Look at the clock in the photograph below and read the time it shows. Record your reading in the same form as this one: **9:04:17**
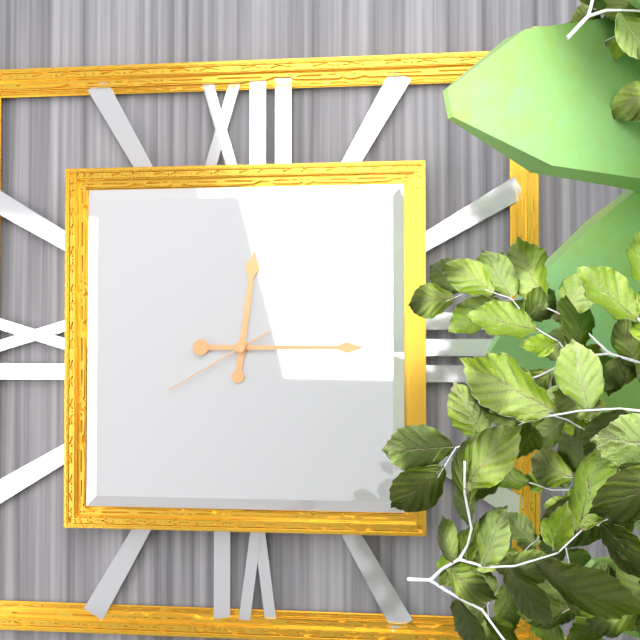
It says **12:15:40**
